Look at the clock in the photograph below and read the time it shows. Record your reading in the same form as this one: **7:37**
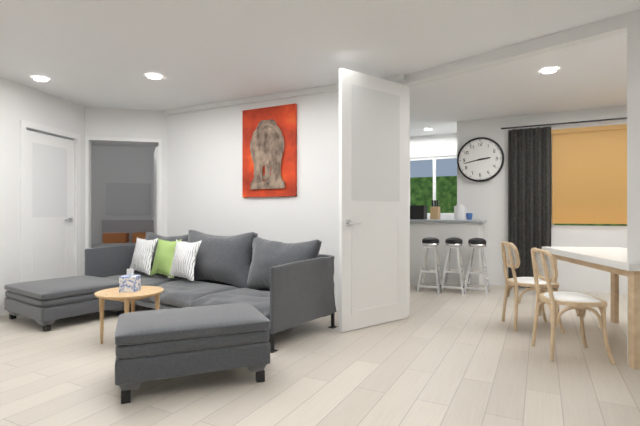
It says **2:43**
